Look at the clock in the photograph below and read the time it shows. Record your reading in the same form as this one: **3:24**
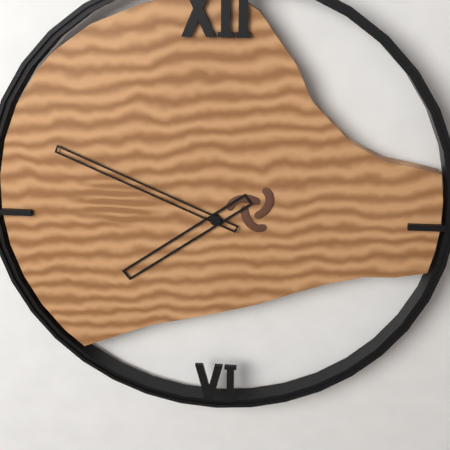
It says **7:49**
